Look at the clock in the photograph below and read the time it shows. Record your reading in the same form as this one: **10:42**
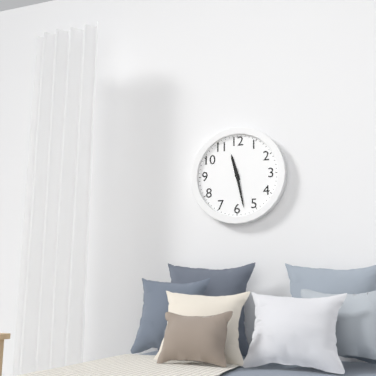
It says **11:28**
